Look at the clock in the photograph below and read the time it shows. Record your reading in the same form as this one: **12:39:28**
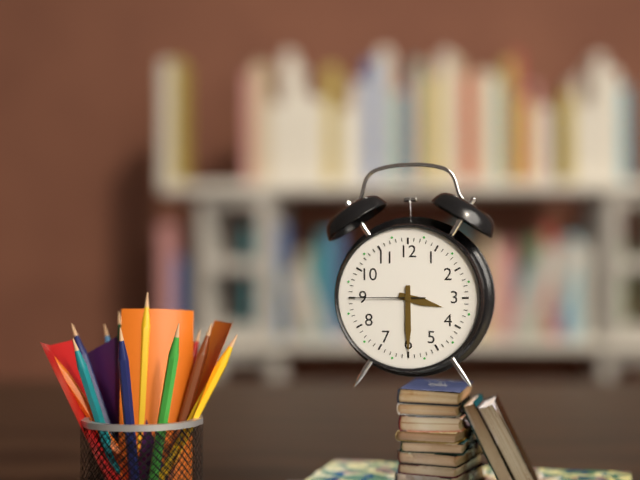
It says **3:30:45**
